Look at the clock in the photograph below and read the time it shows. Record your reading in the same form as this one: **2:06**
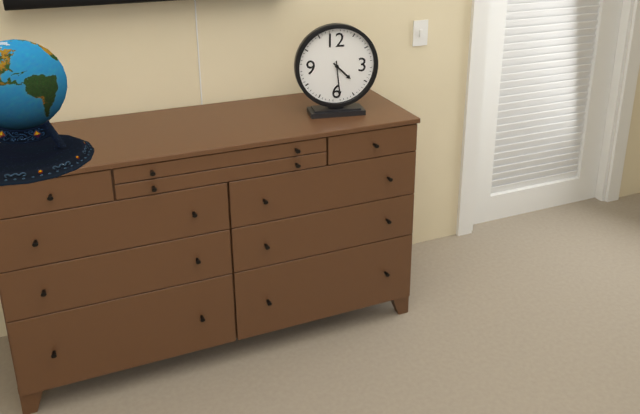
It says **4:29**
